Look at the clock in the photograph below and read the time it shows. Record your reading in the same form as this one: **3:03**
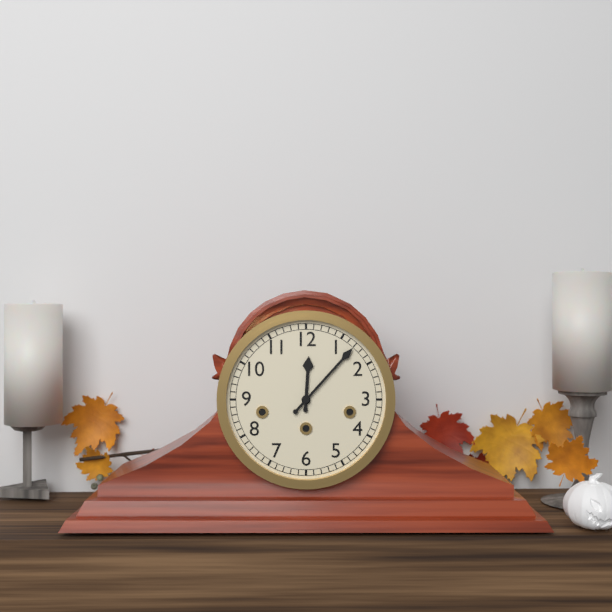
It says **12:07**
